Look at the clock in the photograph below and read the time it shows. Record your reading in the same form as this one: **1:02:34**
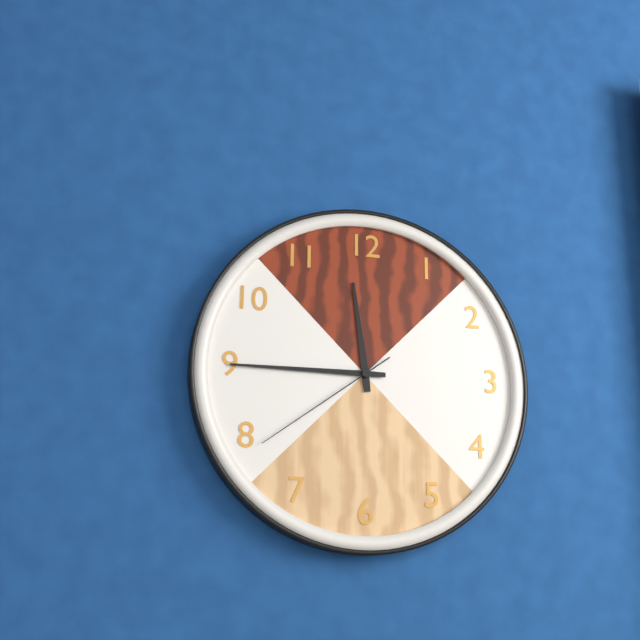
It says **11:45:39**
